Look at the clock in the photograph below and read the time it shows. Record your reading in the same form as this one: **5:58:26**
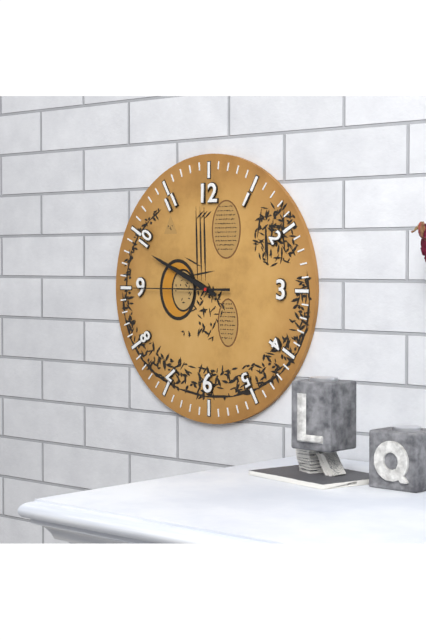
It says **9:49:45**
